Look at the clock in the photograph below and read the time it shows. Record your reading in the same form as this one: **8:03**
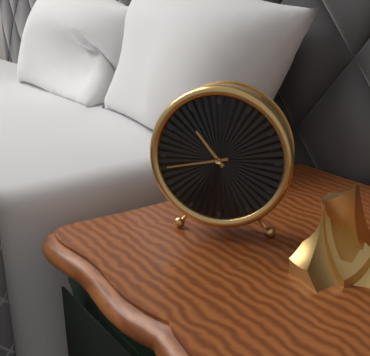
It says **10:43**
